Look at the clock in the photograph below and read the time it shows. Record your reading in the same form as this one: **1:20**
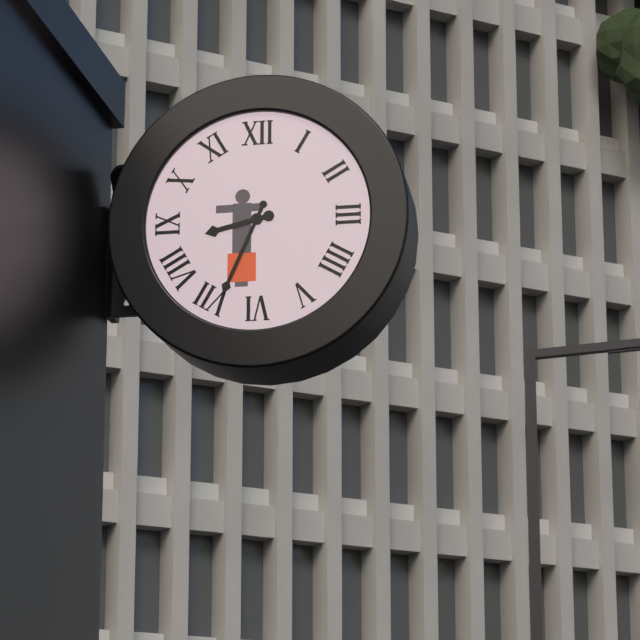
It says **8:34**
